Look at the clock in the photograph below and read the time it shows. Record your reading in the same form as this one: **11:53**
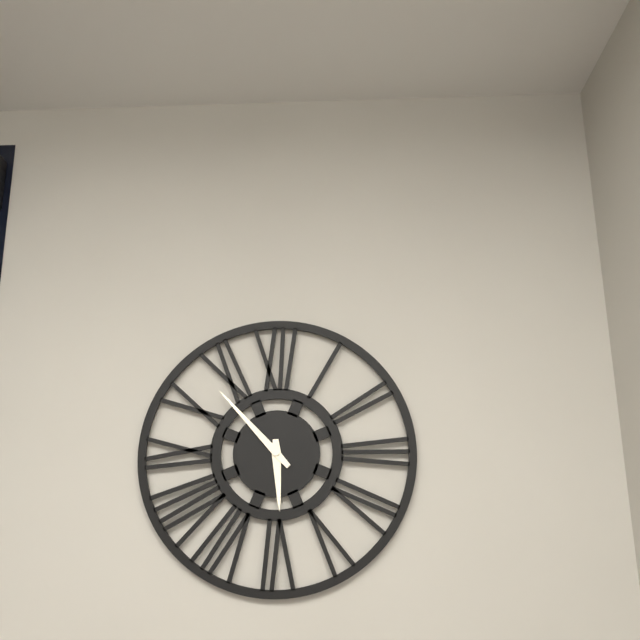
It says **5:53**
